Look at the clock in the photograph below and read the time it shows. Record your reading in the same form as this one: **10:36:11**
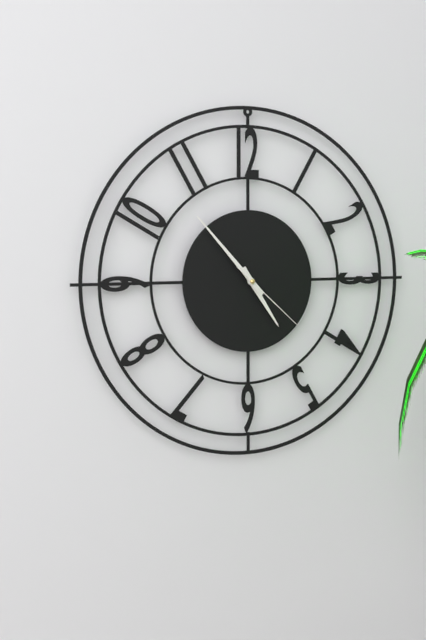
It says **4:53:22**
